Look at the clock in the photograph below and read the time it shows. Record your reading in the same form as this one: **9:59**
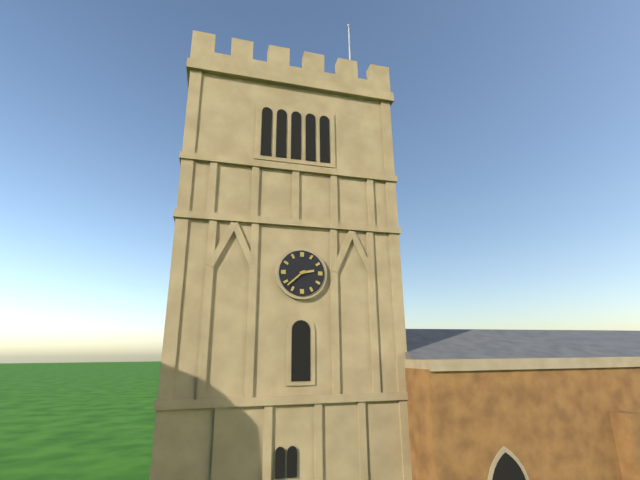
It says **2:38**
